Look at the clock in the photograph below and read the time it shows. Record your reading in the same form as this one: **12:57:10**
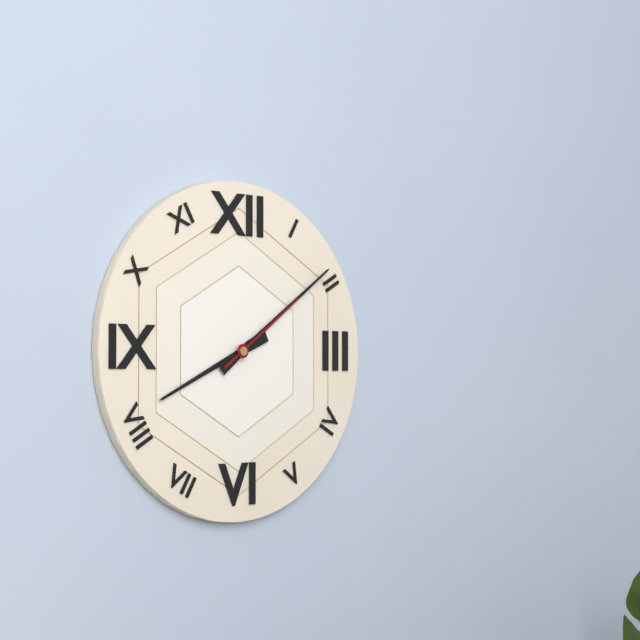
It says **8:09:09**
